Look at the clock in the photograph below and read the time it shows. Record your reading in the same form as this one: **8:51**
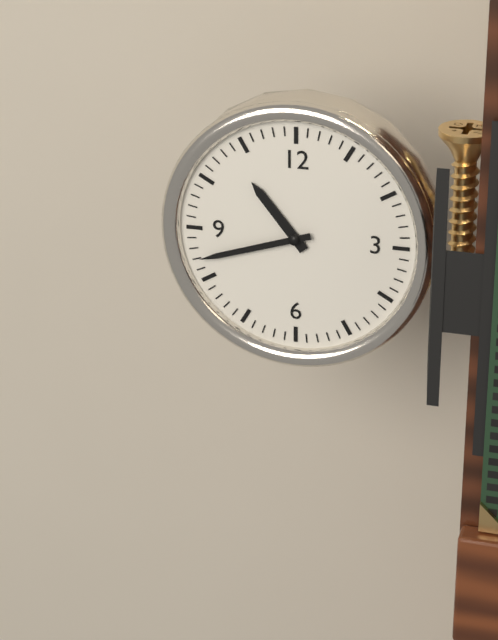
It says **10:42**
